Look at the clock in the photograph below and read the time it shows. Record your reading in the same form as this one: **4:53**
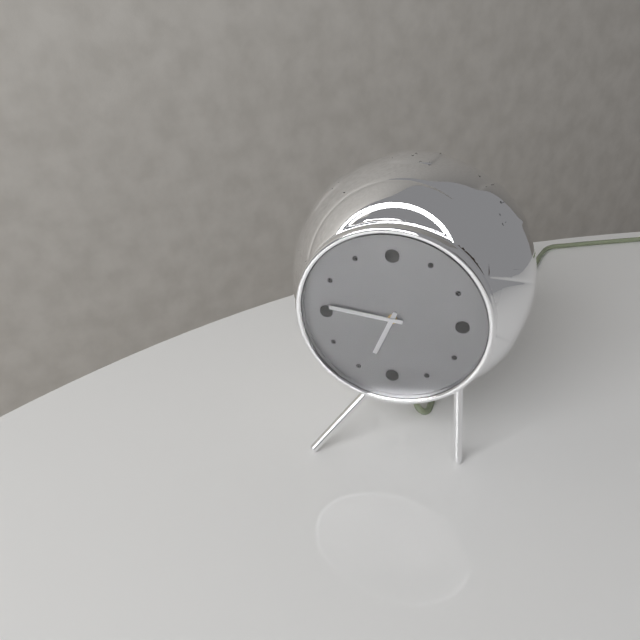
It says **6:46**
